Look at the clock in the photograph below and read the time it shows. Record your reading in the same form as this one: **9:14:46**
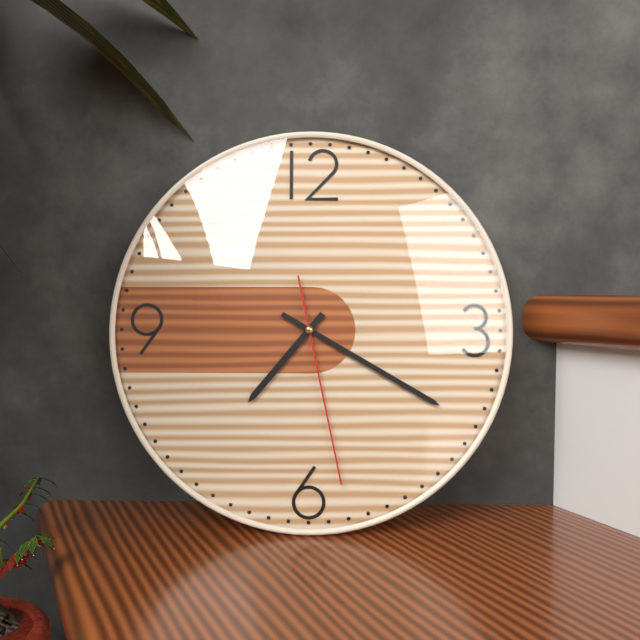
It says **7:20:28**
